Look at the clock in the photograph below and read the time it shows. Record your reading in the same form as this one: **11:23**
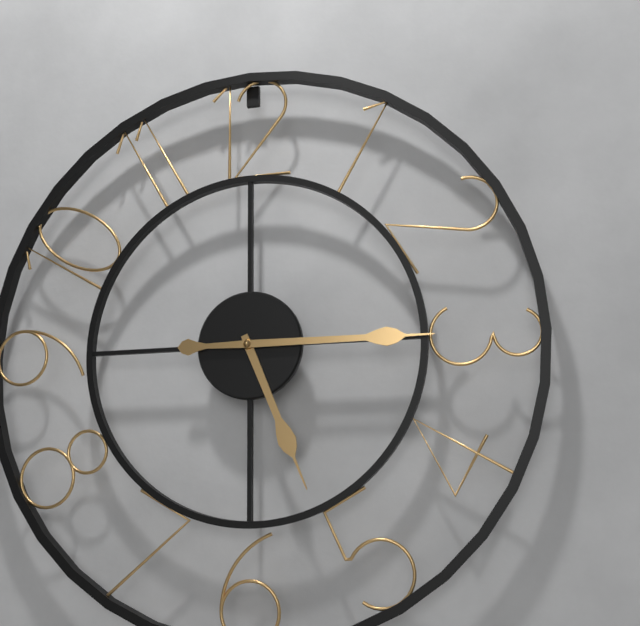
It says **5:15**
